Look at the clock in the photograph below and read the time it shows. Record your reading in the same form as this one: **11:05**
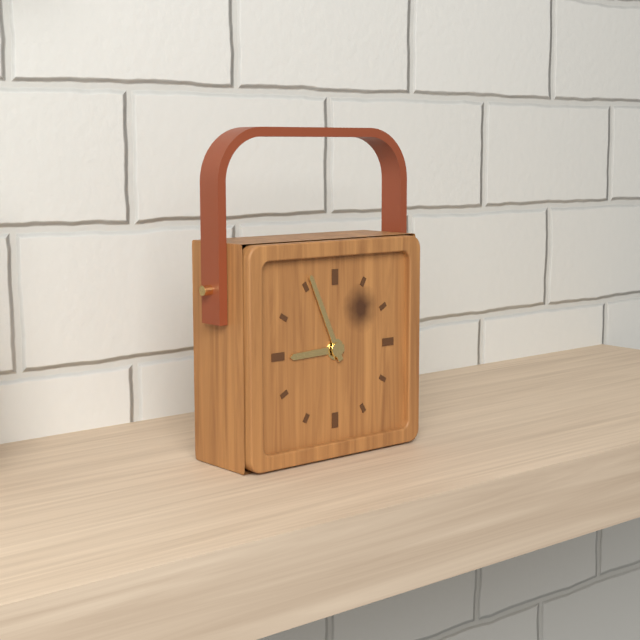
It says **8:56**
